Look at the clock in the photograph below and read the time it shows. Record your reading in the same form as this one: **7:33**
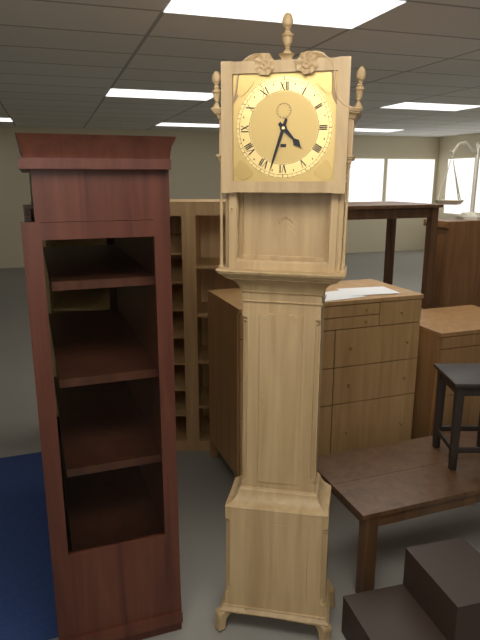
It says **4:33**
